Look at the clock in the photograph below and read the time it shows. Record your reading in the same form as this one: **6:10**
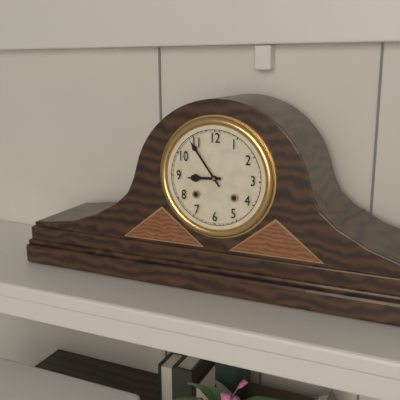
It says **8:54**
